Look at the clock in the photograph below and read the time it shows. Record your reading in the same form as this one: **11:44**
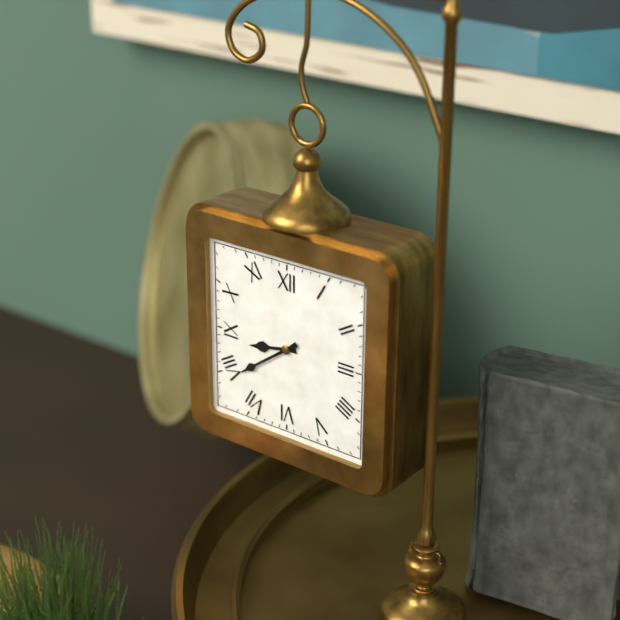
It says **8:39**
